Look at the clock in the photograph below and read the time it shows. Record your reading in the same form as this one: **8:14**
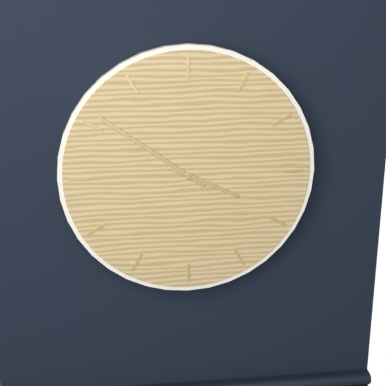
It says **3:51**
